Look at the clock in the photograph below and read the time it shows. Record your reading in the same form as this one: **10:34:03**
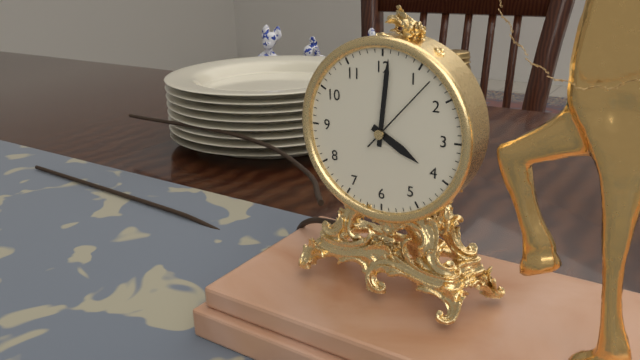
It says **4:01:07**
